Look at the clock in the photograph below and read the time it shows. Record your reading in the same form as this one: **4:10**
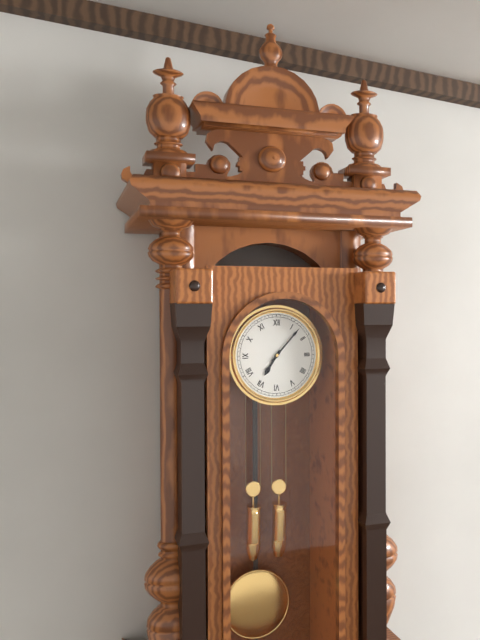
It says **7:07**
